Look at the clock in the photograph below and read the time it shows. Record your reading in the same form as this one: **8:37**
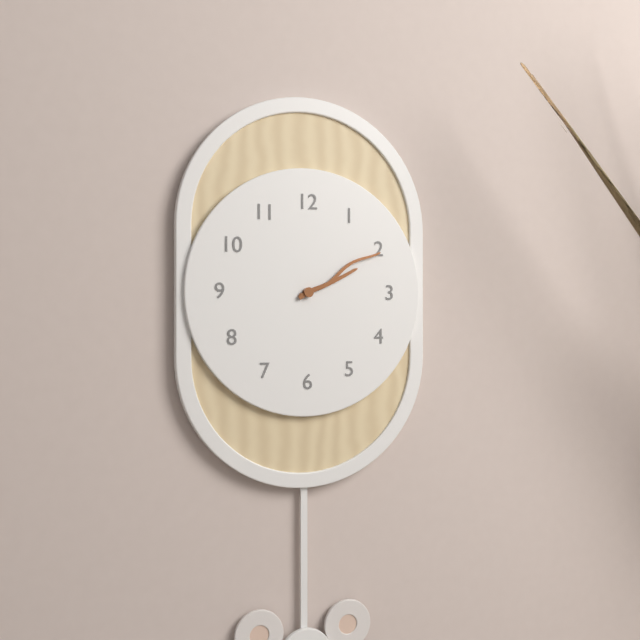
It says **2:10**
